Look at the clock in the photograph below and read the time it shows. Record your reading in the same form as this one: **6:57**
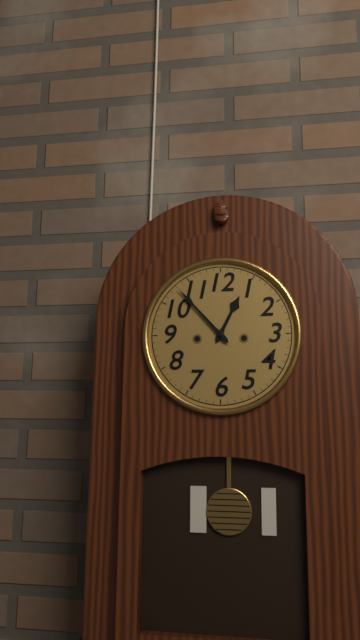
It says **12:53**
